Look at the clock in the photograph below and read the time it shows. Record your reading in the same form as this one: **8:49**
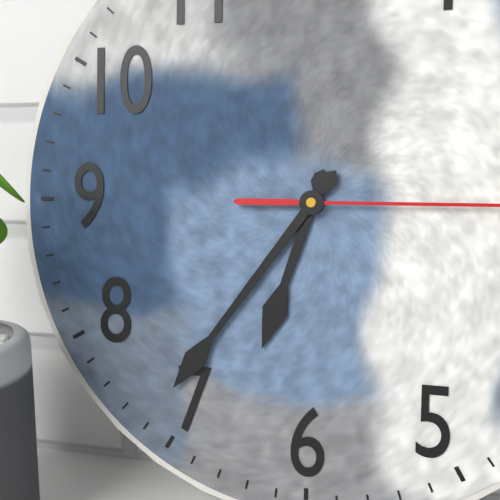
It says **6:36**
